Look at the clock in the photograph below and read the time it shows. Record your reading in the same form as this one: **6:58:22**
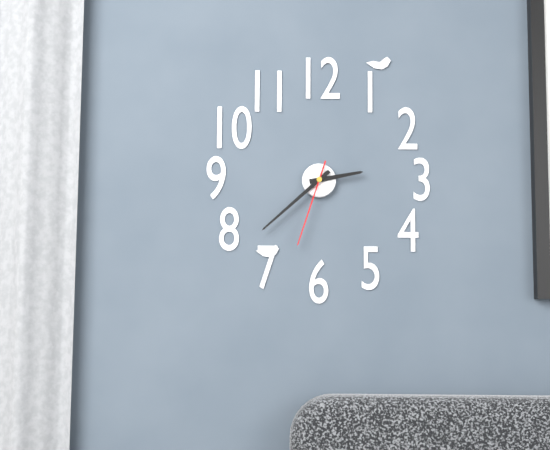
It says **2:38:33**
